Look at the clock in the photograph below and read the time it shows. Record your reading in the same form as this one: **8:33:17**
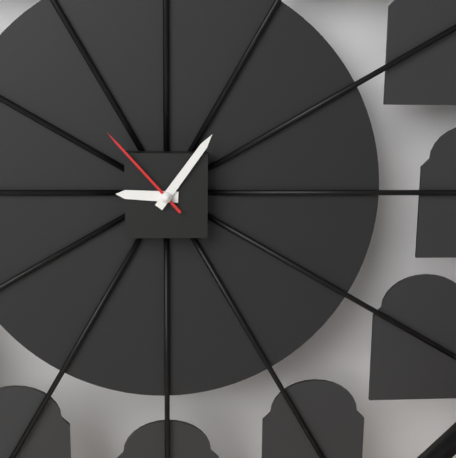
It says **9:06:53**
